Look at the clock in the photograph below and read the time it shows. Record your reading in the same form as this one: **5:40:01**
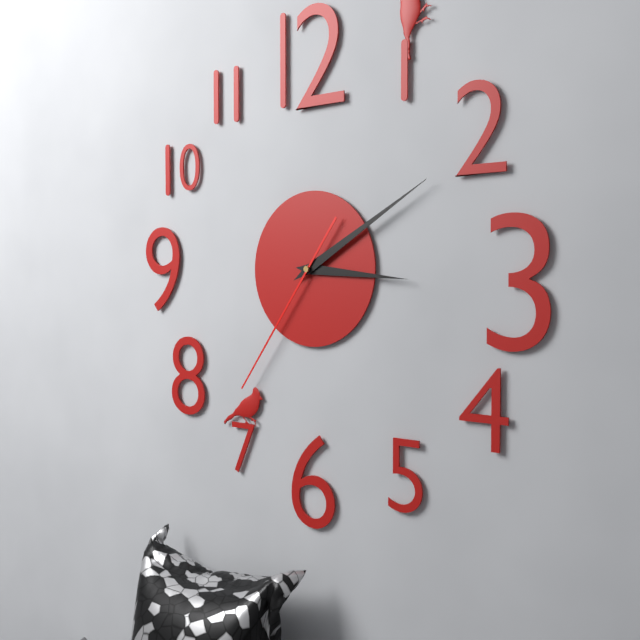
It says **3:10:36**
